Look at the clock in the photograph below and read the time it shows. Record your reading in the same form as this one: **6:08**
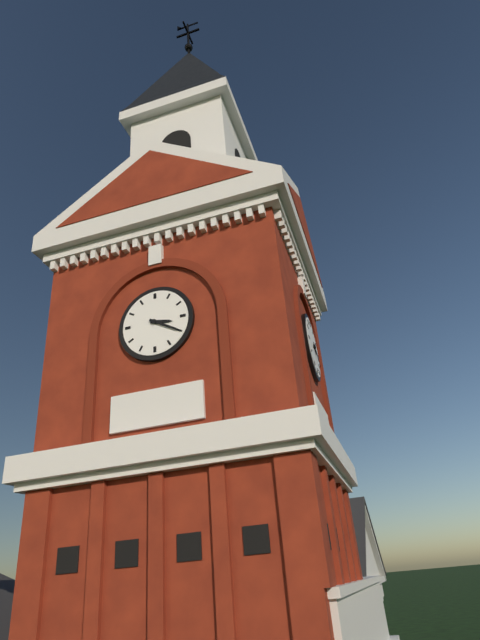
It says **3:20**
